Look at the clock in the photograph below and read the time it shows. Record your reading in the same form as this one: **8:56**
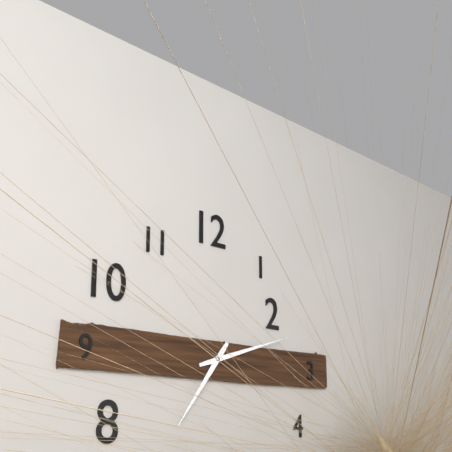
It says **7:12**
